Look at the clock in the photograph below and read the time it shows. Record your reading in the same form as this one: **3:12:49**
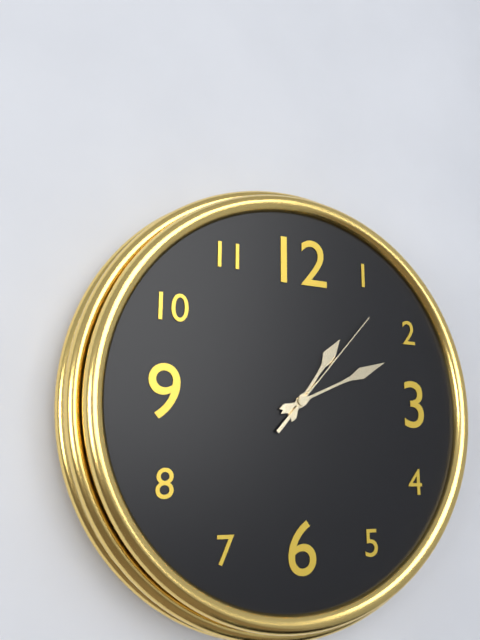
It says **1:11:07**
